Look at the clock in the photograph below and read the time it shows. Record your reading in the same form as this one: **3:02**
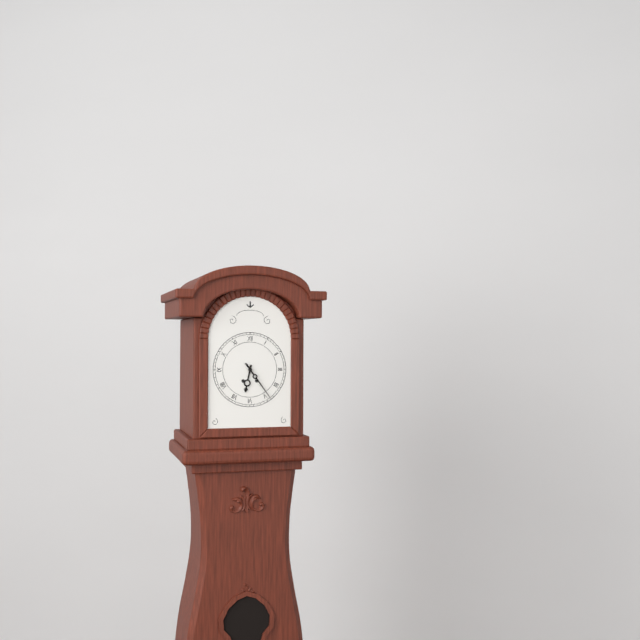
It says **6:24**
